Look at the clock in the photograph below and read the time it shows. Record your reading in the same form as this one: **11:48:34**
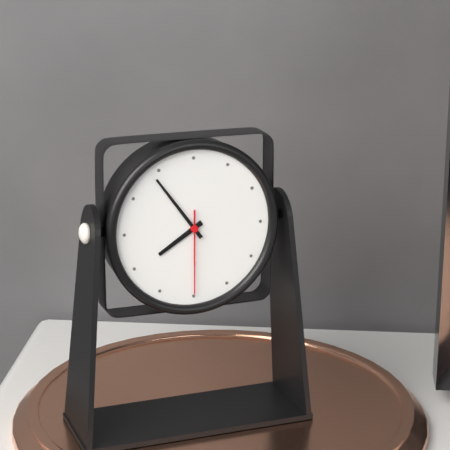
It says **7:54:30**
